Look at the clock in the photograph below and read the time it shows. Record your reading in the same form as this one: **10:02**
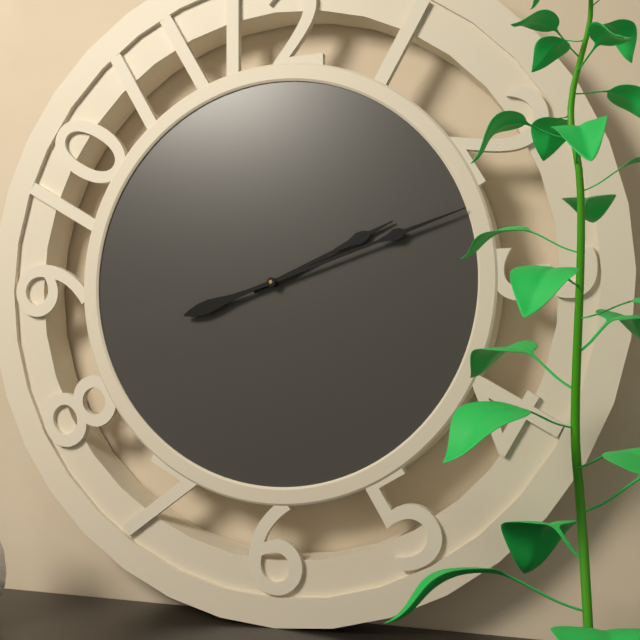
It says **2:12**
